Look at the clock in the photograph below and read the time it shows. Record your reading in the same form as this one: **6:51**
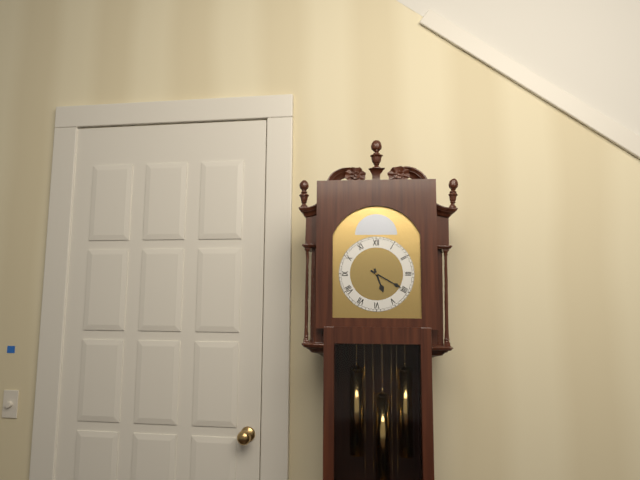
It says **5:20**
